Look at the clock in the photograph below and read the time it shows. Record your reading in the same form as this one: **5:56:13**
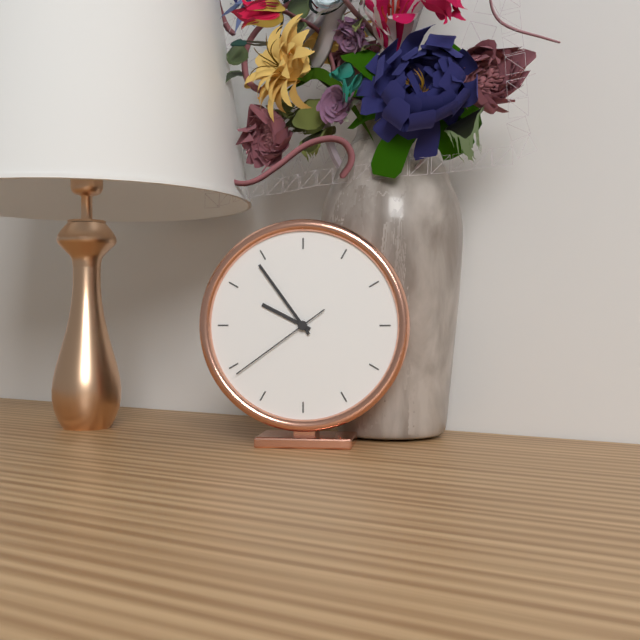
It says **9:54:39**
